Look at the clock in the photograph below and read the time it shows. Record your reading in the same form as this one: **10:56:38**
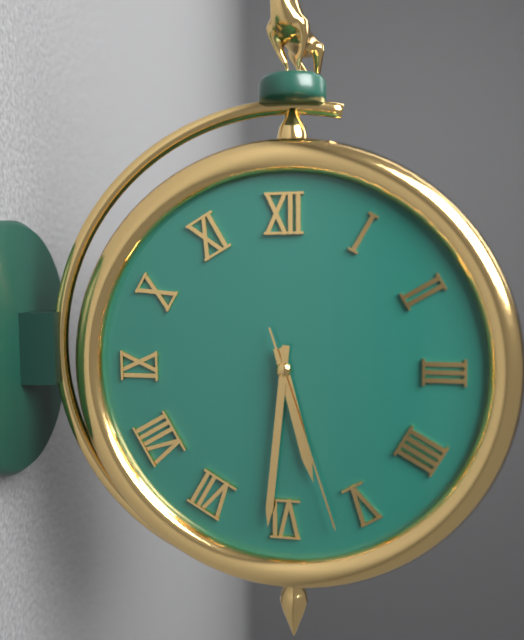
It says **5:31:27**
